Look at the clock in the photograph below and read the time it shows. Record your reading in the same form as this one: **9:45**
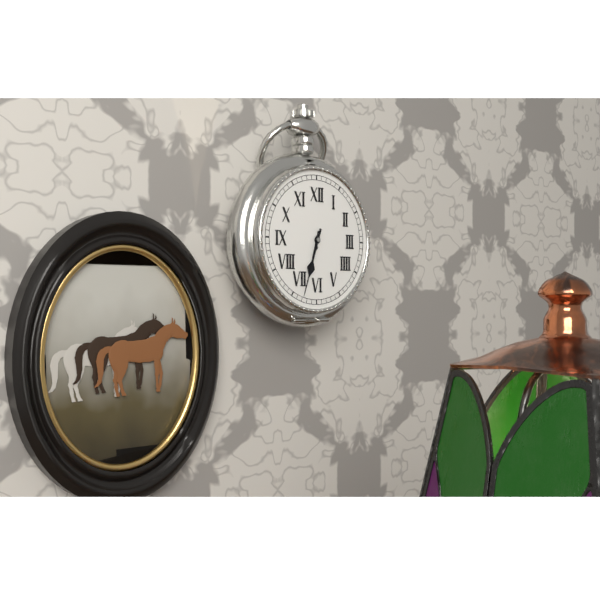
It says **6:33**
